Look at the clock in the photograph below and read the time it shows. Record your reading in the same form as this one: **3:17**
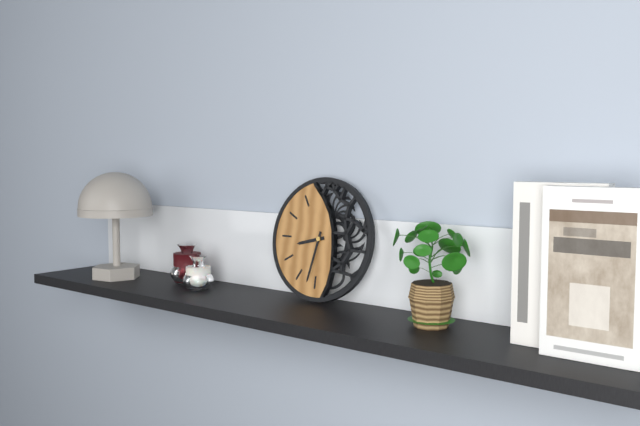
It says **8:32**
